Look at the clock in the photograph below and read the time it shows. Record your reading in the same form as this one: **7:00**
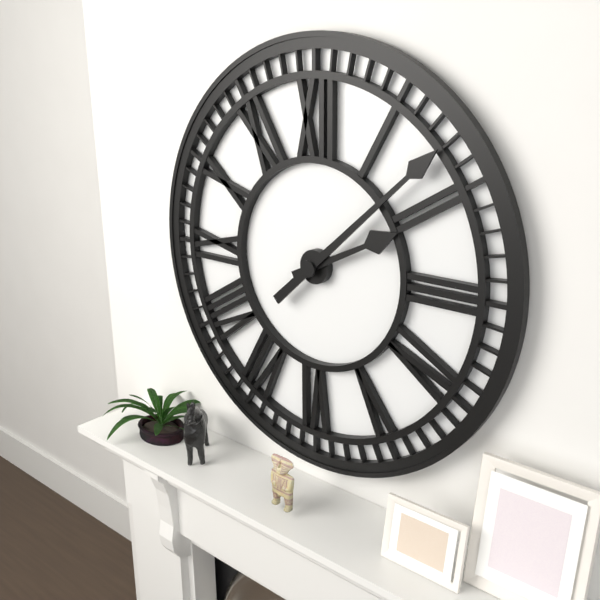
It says **2:08**
